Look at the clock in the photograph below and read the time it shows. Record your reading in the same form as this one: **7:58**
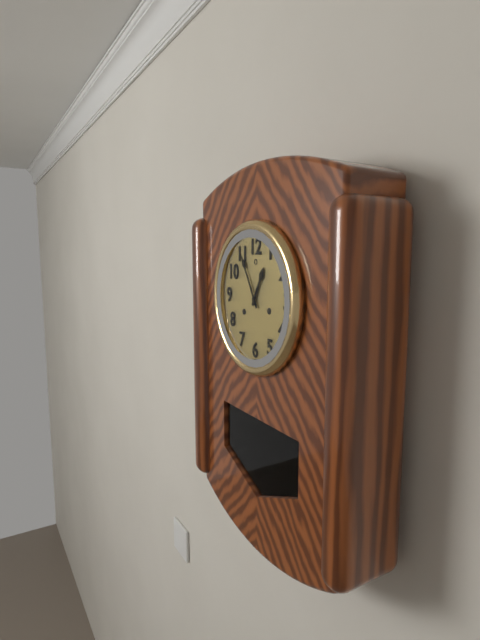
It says **12:55**
